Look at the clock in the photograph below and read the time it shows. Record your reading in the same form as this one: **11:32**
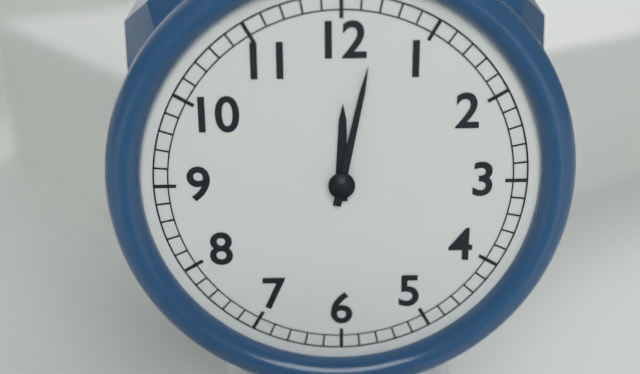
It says **12:02**
